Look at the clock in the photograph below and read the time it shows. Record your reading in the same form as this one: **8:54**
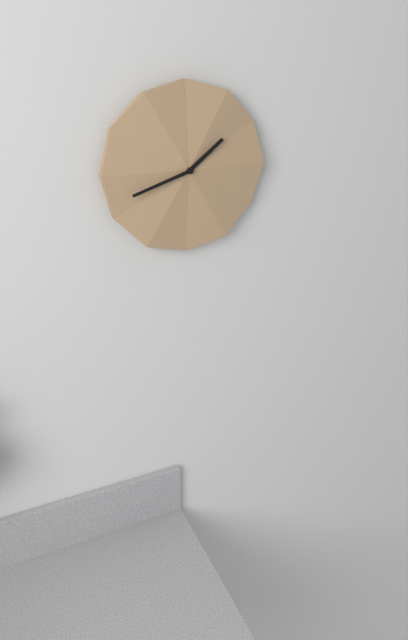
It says **1:42**
